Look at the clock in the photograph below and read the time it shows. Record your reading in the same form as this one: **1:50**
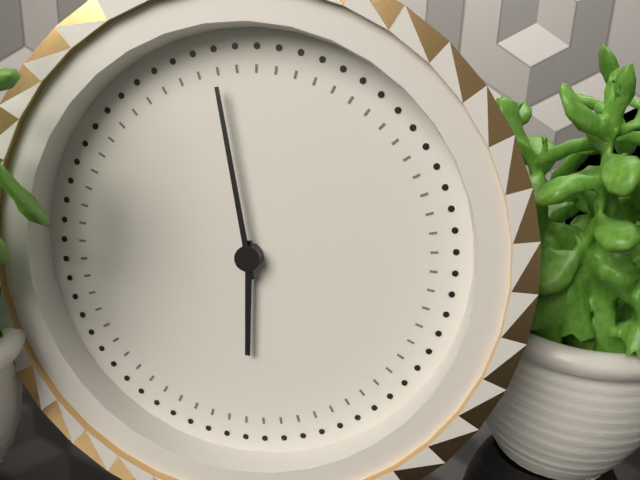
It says **5:58**
